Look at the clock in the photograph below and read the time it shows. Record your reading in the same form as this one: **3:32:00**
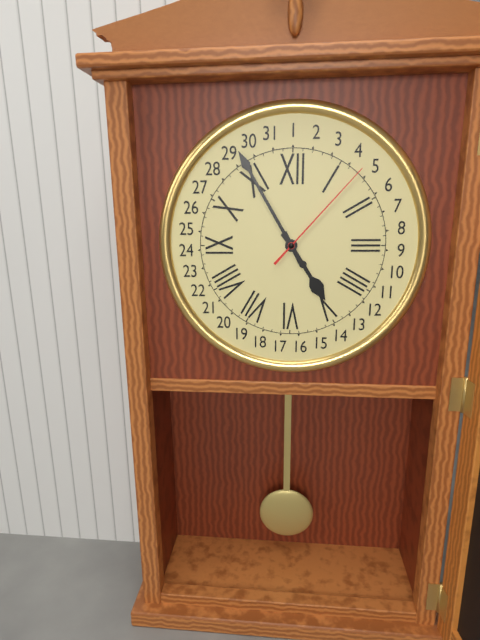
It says **4:55:07**
